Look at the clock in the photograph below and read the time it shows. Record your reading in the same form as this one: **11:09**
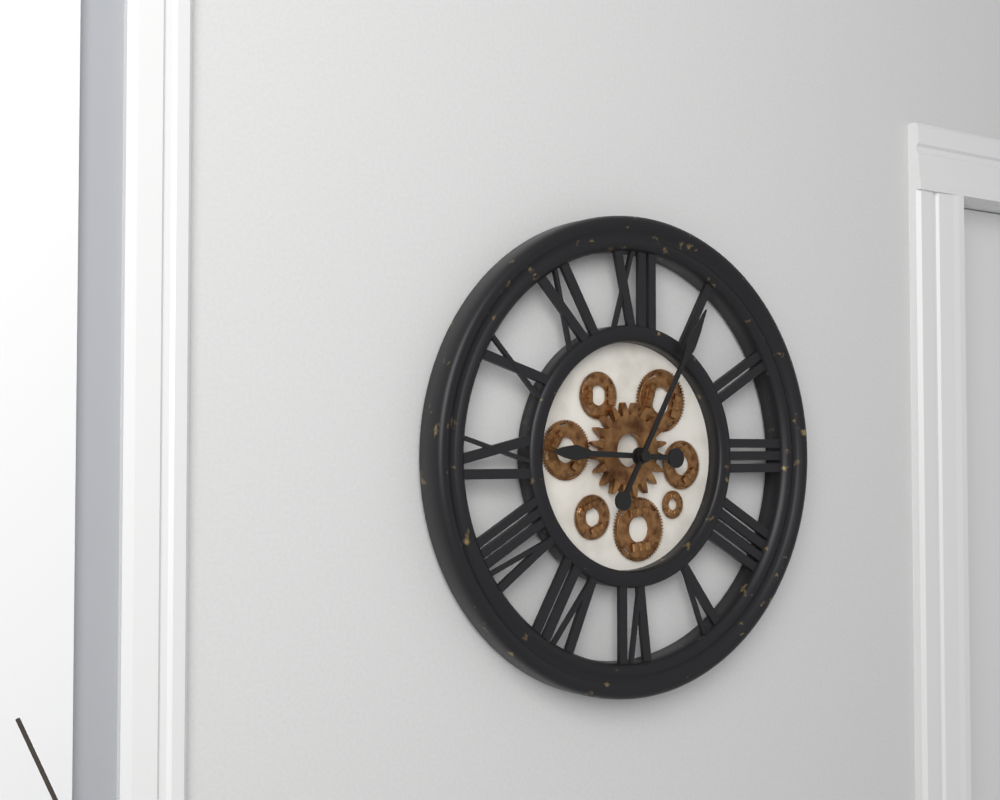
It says **9:05**
